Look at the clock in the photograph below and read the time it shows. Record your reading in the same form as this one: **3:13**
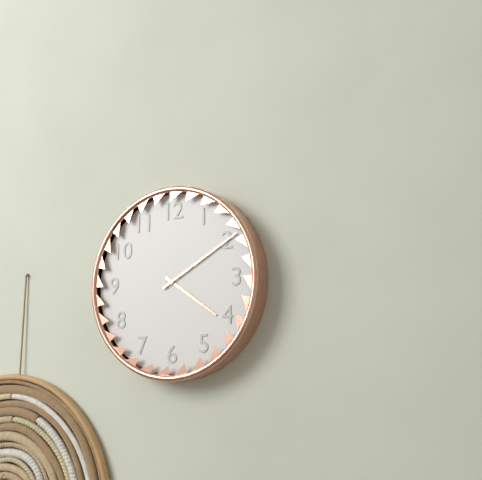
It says **4:10**
